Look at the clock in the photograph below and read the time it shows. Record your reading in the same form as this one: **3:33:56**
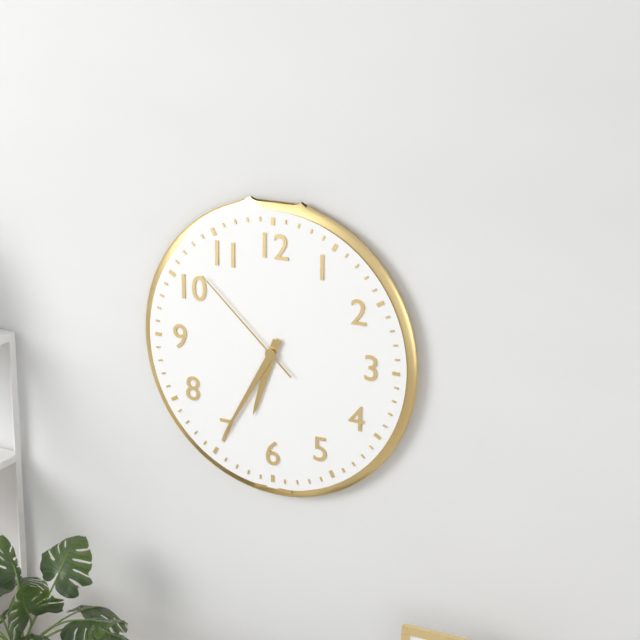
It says **6:35:52**
